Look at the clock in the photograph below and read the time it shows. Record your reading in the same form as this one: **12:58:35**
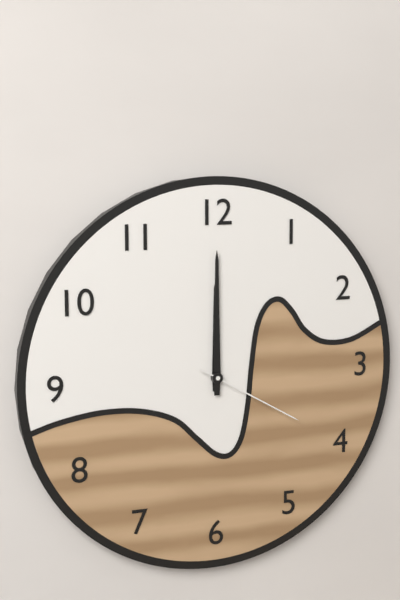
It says **12:00:20**
